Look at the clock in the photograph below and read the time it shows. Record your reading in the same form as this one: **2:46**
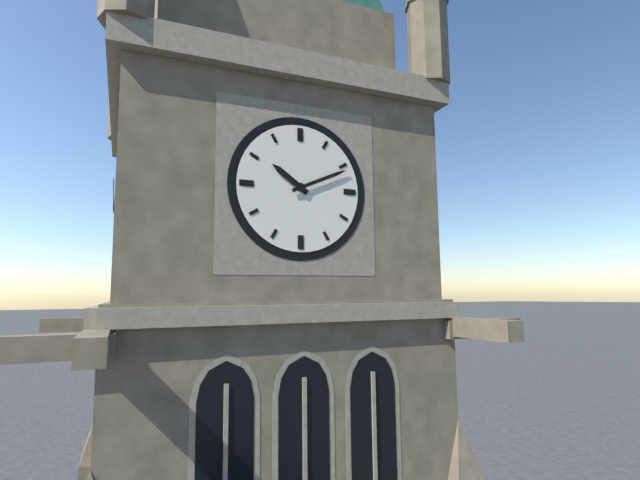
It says **10:11**
